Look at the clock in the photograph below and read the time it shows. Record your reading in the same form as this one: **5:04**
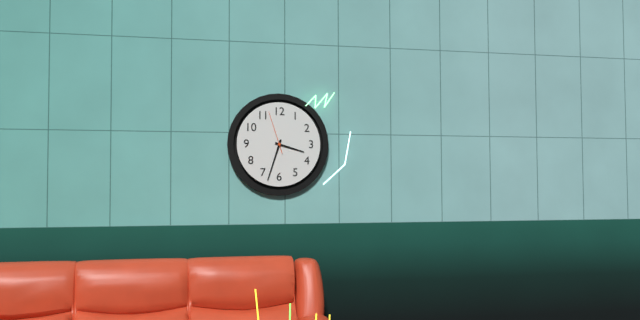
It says **3:33**
